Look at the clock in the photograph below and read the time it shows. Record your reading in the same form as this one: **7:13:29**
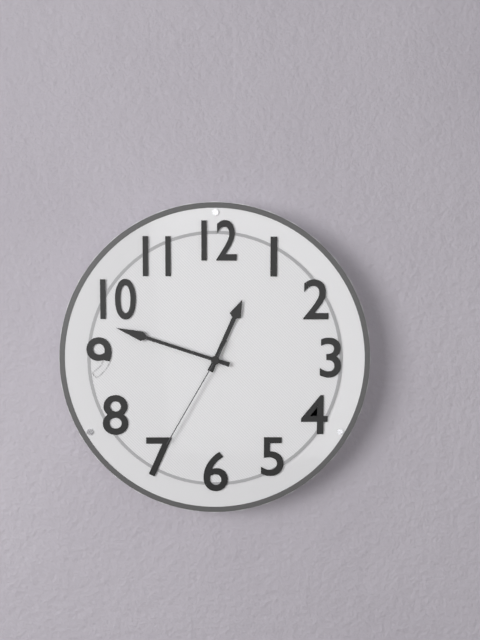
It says **12:48:35**
